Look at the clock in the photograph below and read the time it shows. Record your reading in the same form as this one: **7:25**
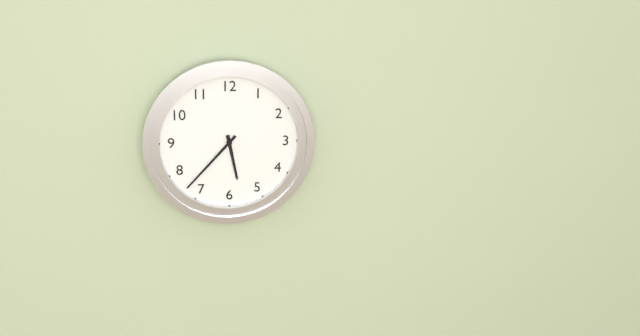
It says **5:37**
